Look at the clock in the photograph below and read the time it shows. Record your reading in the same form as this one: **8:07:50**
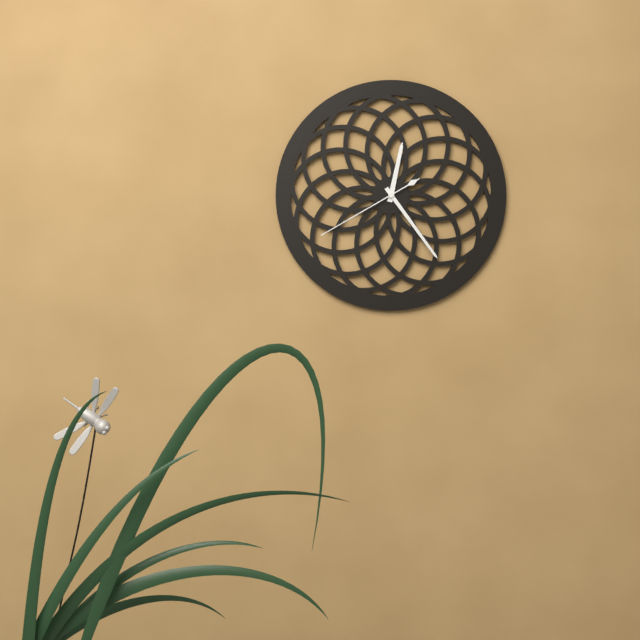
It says **12:24:40**
